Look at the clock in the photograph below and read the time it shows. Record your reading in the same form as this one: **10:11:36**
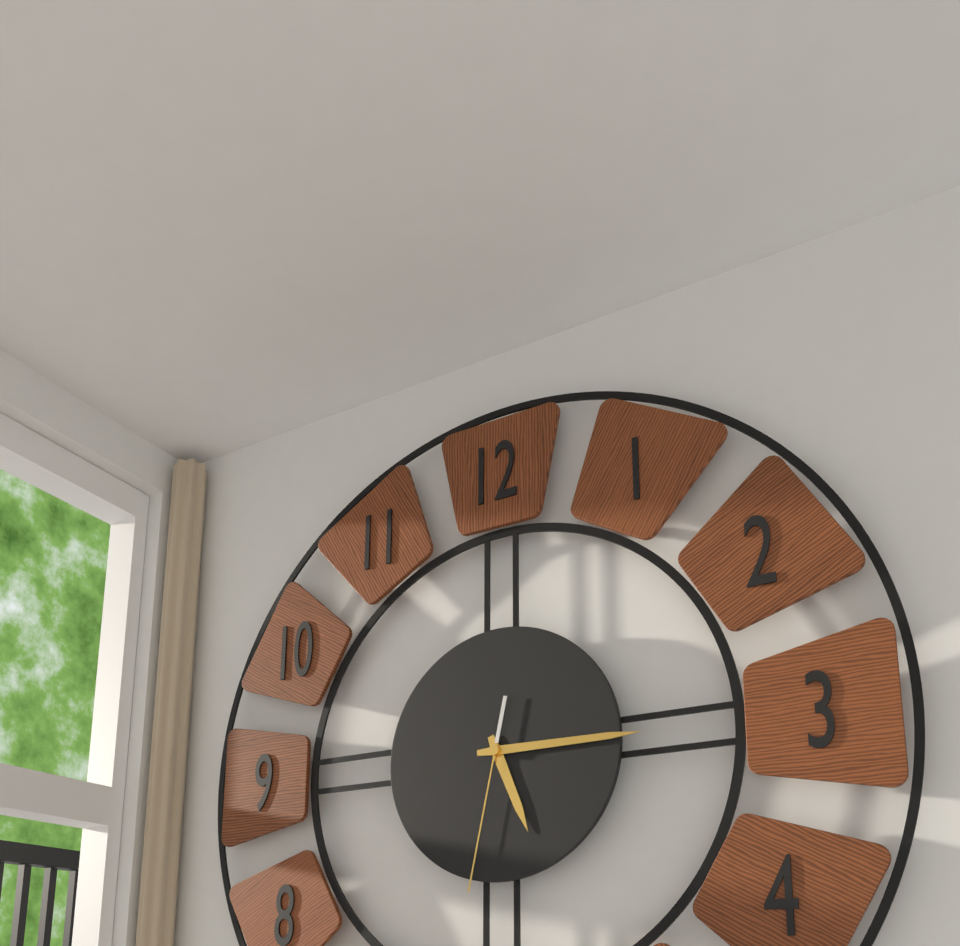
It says **5:15:32**
